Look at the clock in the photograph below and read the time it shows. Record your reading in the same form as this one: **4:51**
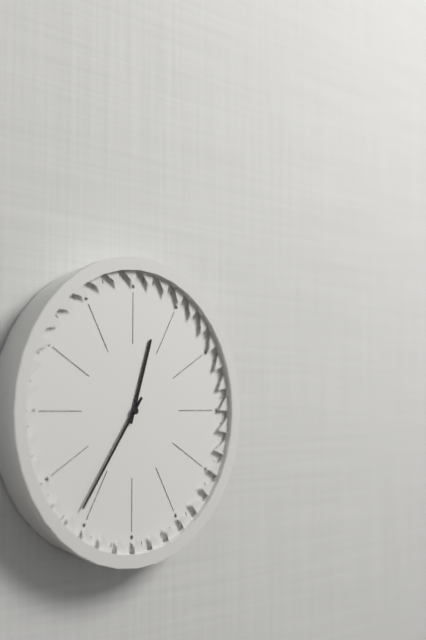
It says **12:36**
